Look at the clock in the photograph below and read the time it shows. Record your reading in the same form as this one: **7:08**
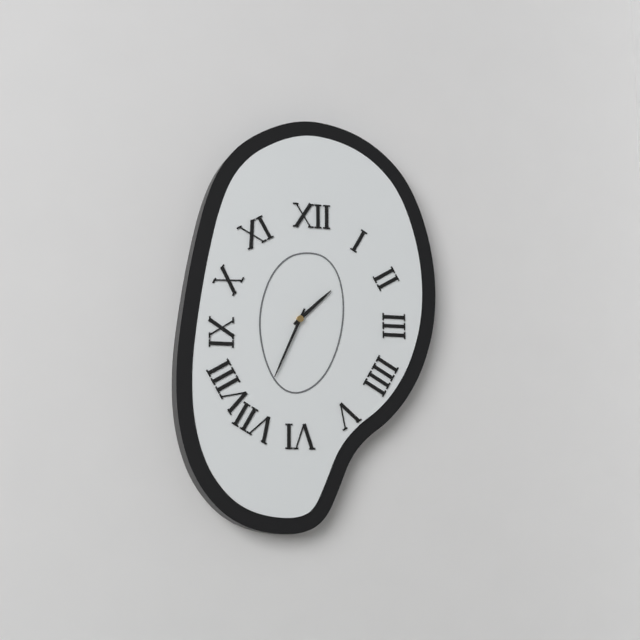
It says **1:34**
